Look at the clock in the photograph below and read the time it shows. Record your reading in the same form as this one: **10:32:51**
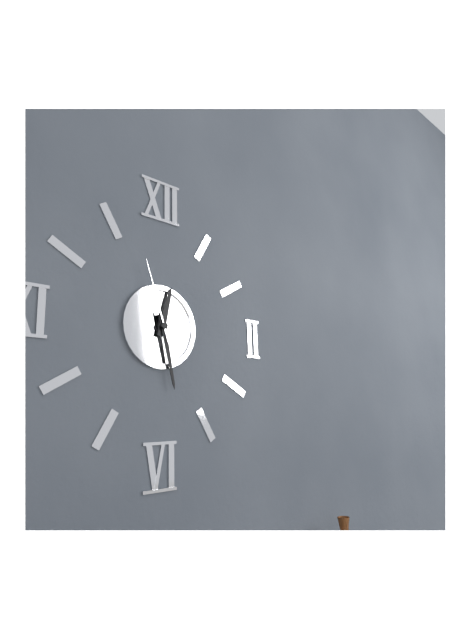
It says **12:28:57**
